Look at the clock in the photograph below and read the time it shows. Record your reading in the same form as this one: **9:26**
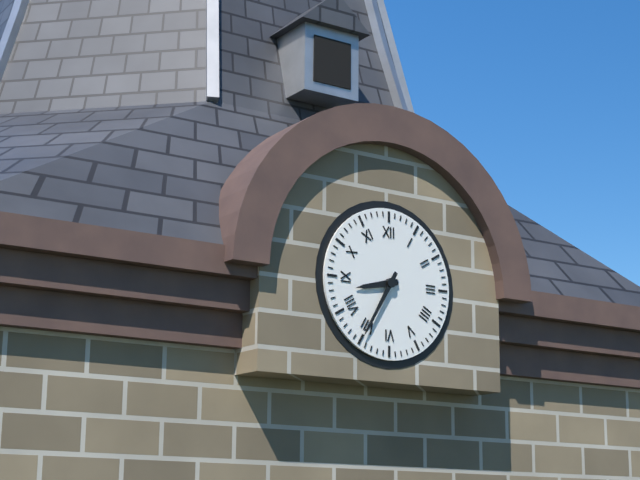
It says **8:35**
